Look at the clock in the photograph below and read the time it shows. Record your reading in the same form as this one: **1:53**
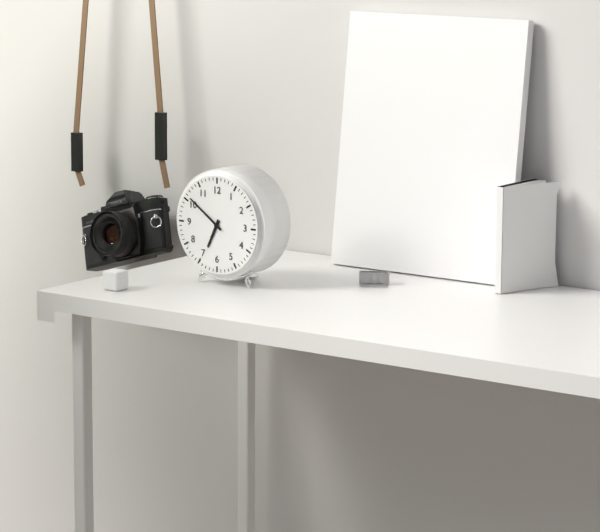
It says **6:51**
